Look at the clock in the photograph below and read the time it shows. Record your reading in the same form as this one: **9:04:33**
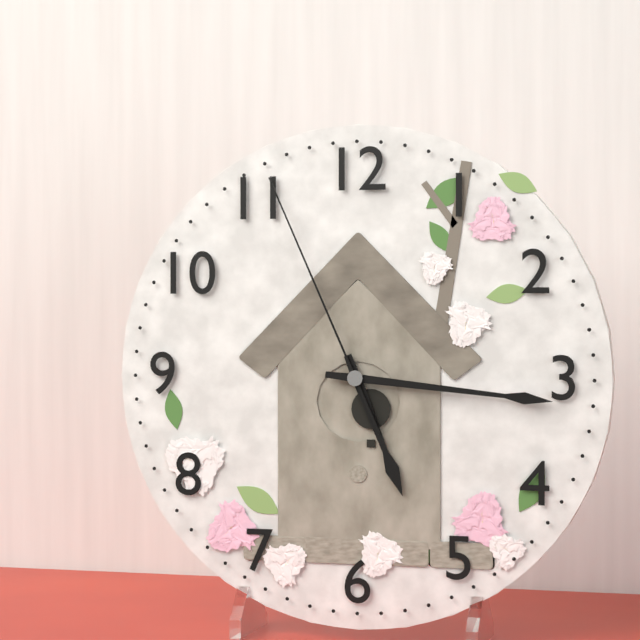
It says **5:16:56**
